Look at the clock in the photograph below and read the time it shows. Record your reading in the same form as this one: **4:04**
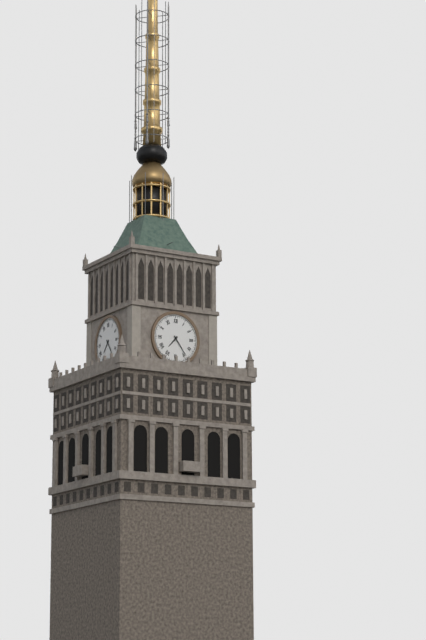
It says **7:24**
